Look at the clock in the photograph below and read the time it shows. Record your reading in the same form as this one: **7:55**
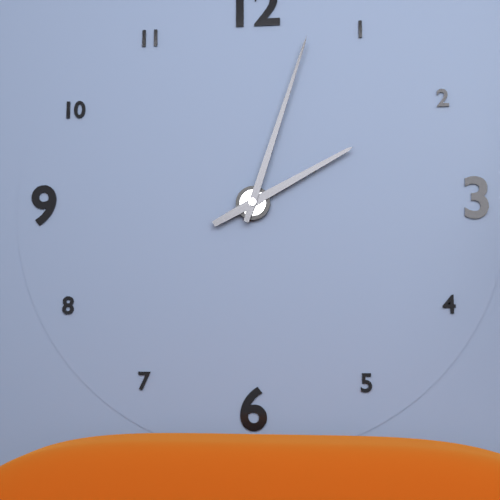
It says **2:03**
